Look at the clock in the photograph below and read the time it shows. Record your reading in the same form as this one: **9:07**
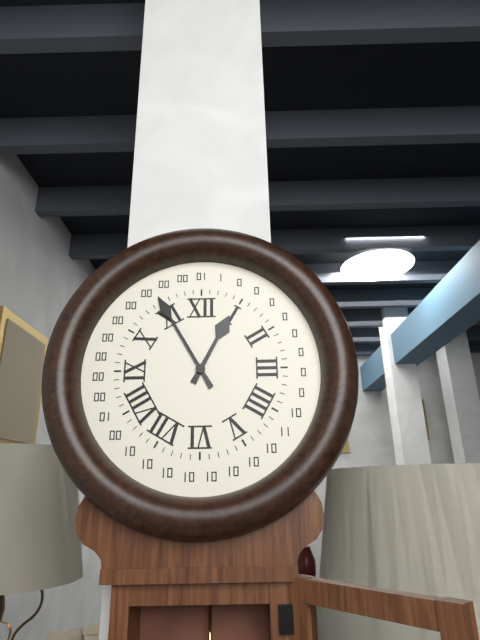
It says **12:55**
